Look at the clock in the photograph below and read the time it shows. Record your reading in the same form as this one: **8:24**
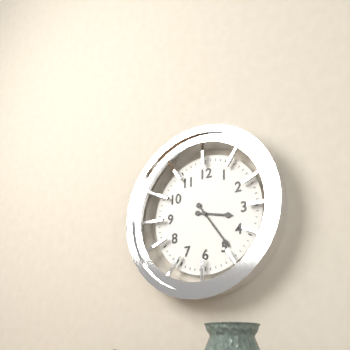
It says **3:24**
